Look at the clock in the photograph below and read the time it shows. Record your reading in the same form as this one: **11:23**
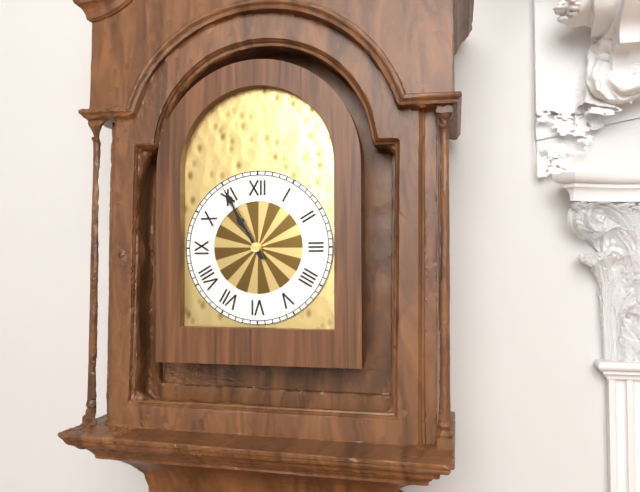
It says **10:55**
